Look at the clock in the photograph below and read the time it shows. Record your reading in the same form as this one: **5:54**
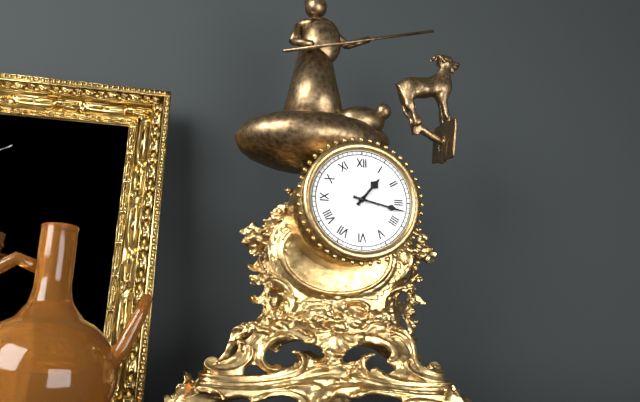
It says **1:17**
